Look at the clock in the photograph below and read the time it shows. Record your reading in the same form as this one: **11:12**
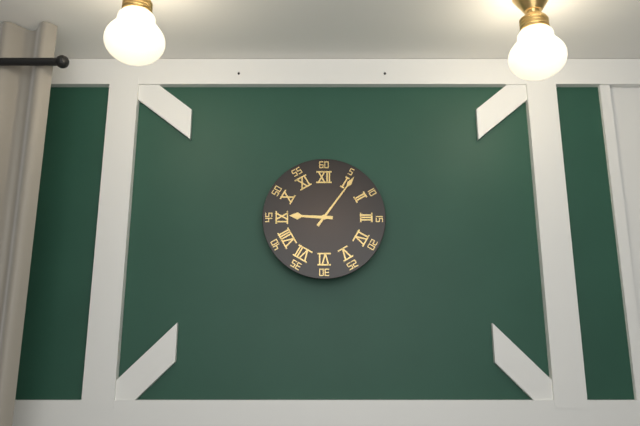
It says **9:06**
